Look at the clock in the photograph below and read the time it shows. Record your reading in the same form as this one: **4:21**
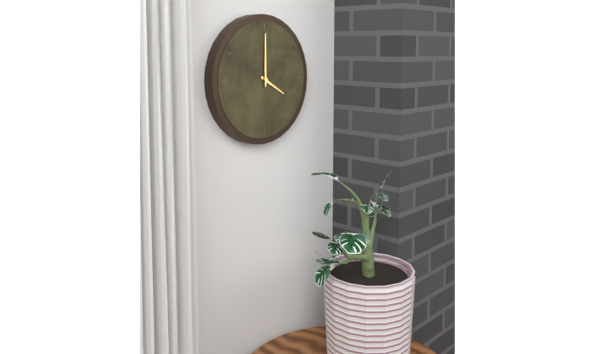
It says **4:00**
